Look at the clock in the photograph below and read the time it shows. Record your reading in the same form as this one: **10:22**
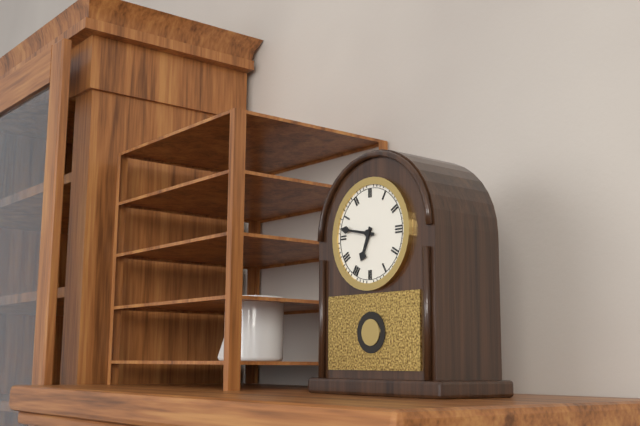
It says **6:47**
